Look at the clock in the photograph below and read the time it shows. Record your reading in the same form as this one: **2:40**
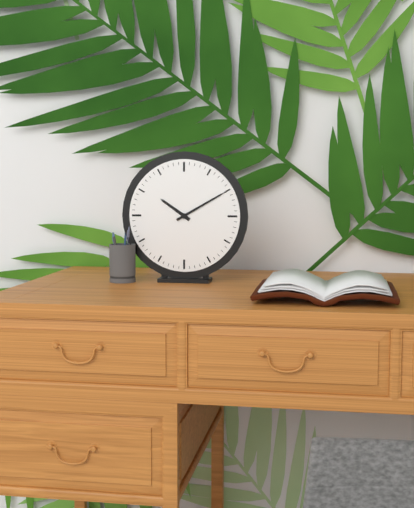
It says **10:10**
